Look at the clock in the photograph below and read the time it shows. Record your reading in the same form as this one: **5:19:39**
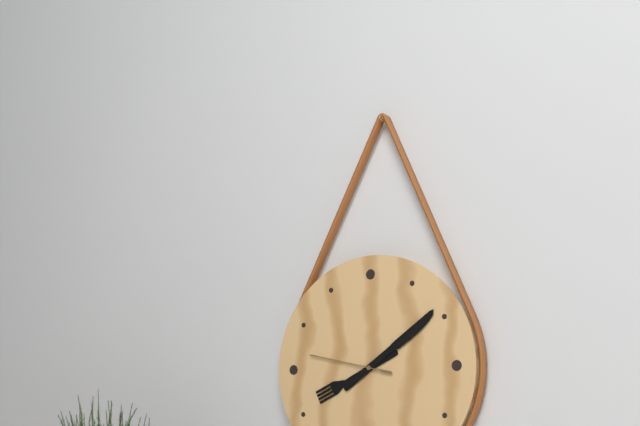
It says **8:09:47**
